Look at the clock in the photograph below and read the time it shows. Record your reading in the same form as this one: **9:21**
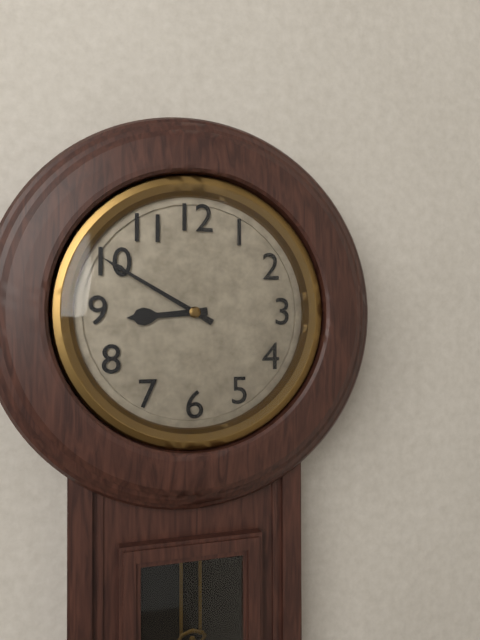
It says **8:50**
